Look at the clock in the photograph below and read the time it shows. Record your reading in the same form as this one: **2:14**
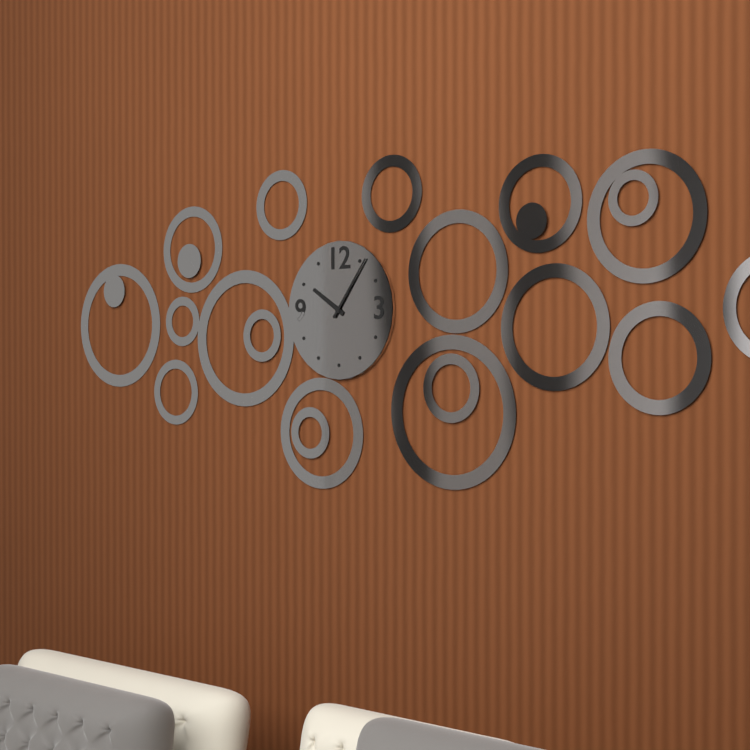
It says **10:06**
